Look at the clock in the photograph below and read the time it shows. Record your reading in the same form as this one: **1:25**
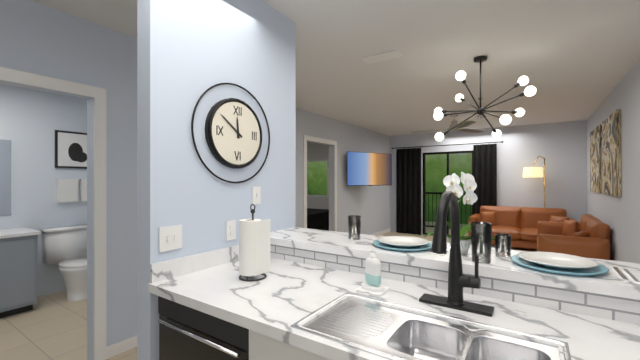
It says **11:51**
